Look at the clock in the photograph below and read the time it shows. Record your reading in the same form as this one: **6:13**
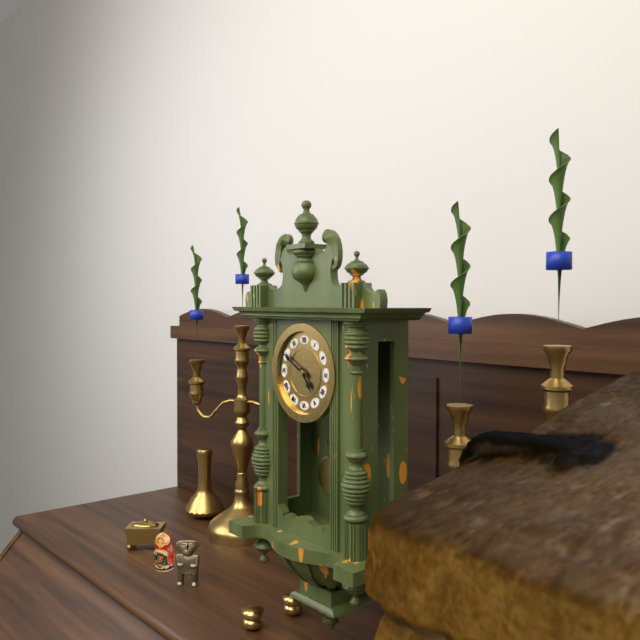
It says **4:50**
